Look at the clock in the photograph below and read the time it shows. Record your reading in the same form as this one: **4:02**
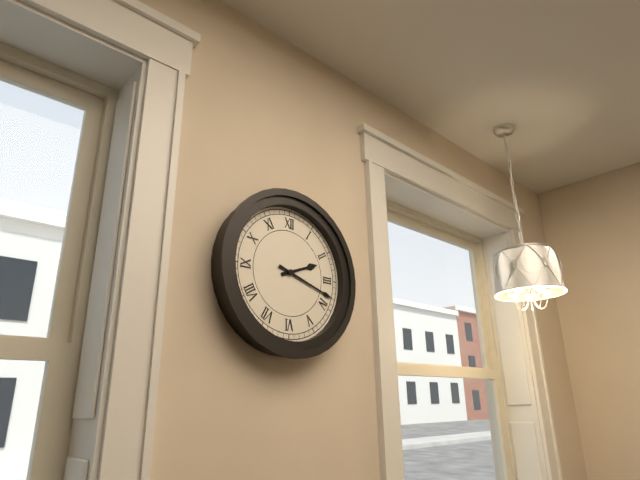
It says **2:18**
